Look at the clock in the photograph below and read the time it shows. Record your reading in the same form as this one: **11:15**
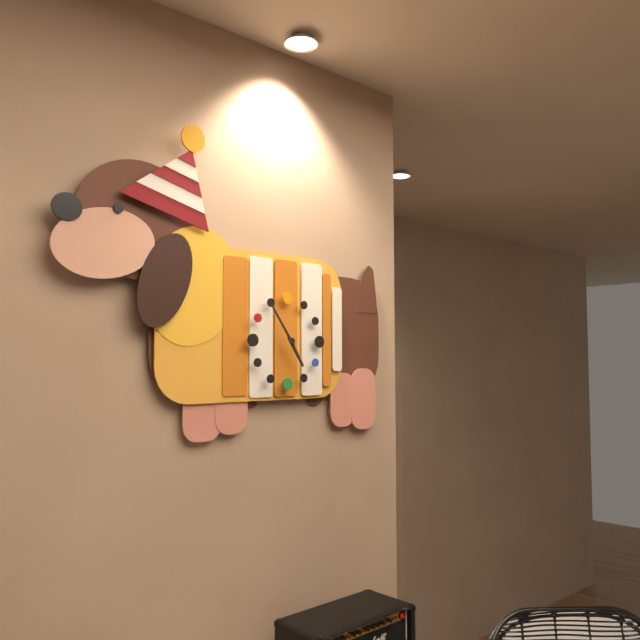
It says **4:54**
